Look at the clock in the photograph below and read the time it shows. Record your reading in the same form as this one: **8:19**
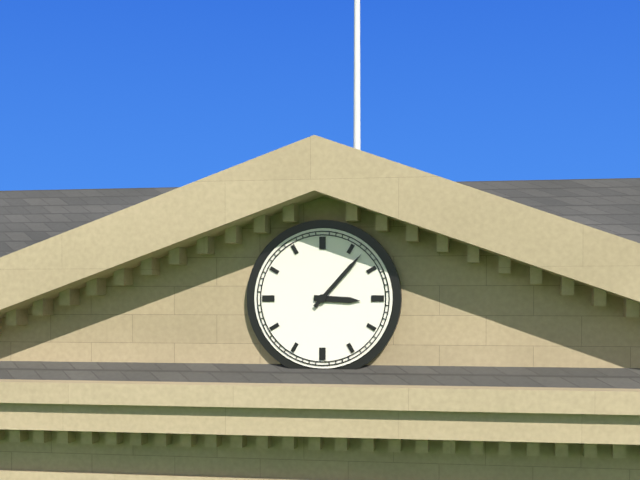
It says **3:07**
